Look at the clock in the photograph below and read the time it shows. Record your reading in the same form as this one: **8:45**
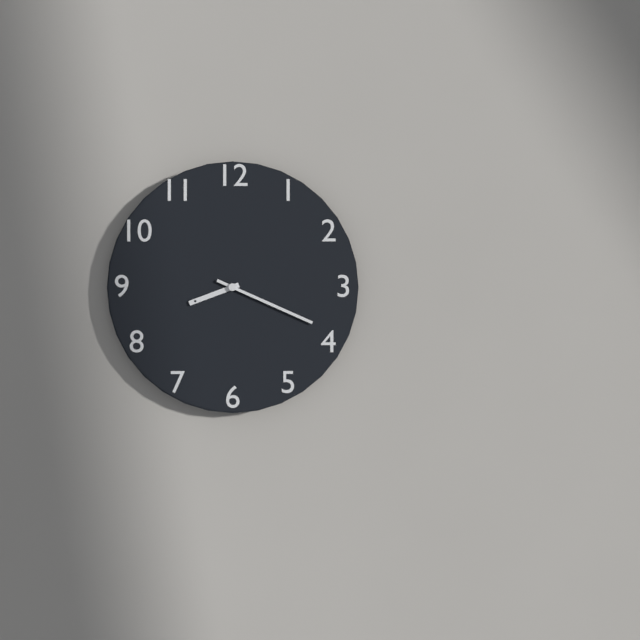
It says **8:19**
